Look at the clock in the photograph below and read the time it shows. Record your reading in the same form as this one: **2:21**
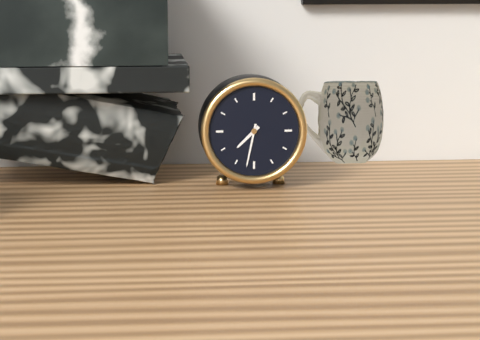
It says **7:32**
